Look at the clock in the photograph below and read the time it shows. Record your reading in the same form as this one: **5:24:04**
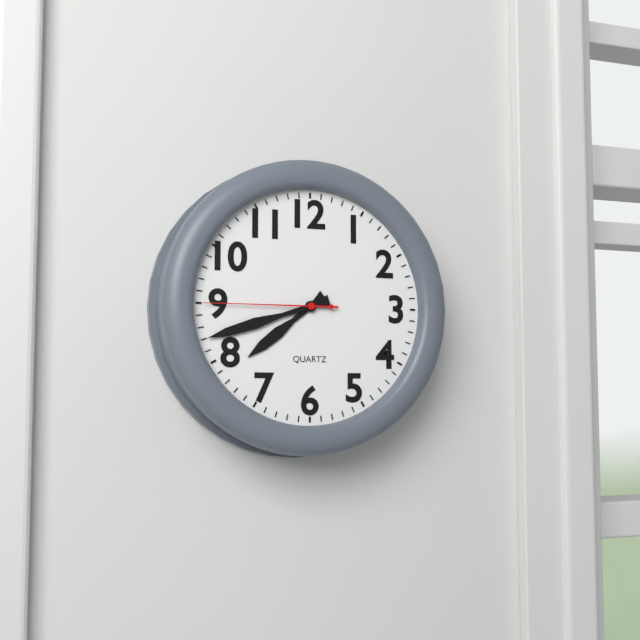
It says **7:42:45**
